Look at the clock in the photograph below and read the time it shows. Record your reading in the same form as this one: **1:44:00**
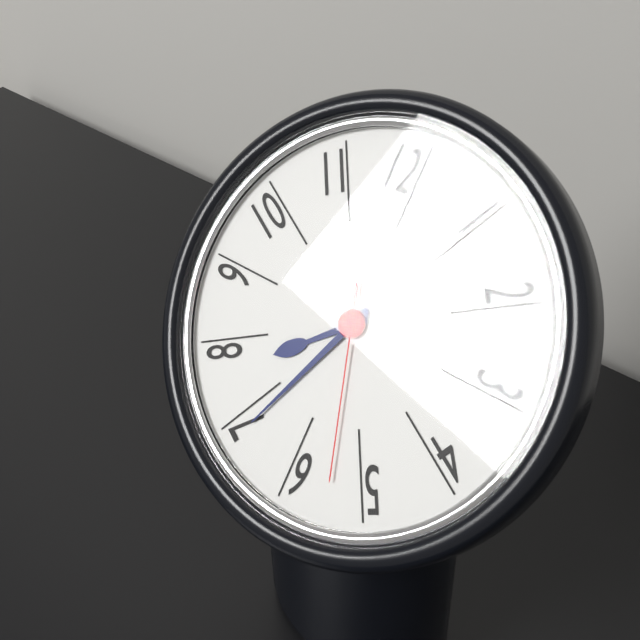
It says **7:34:27**
